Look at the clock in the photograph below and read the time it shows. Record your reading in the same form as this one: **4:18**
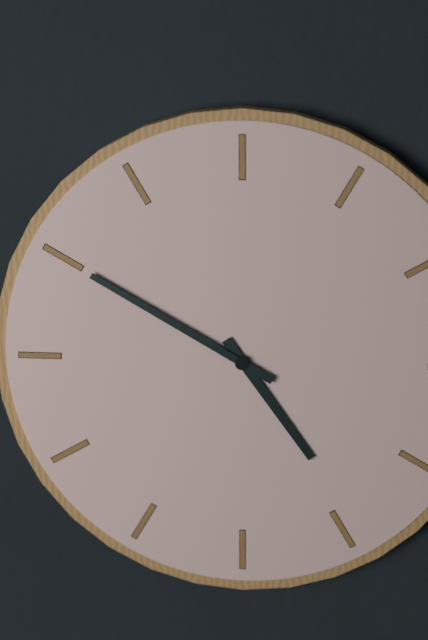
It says **4:50**
